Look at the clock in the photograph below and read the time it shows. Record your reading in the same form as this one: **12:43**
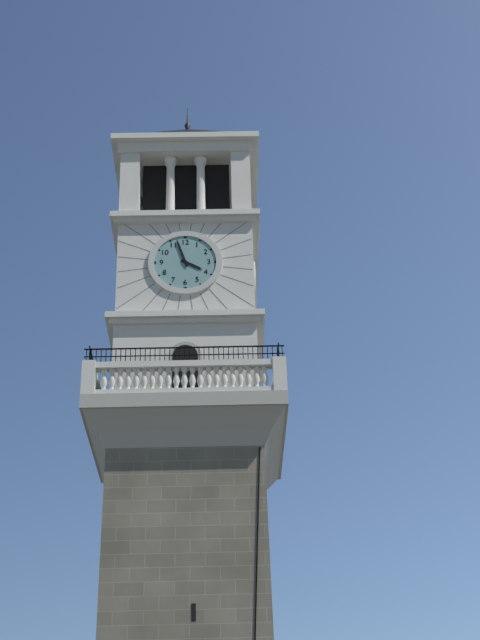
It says **3:57**
